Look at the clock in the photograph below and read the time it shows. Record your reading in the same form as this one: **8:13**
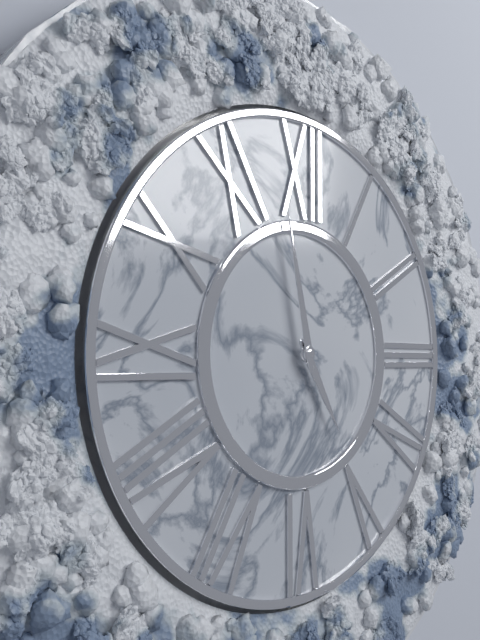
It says **4:58**
